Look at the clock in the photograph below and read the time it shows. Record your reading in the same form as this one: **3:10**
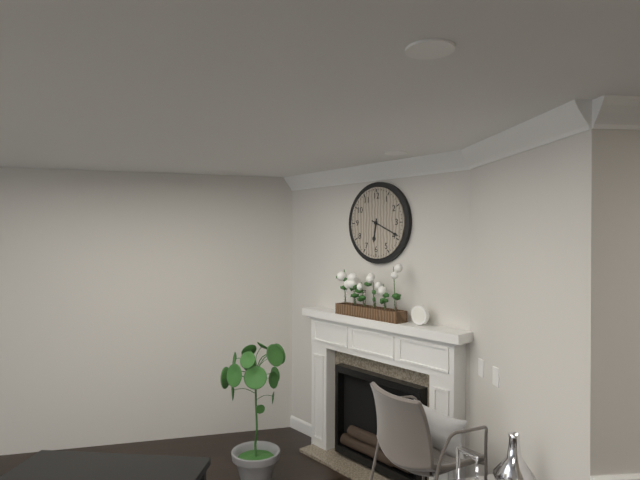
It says **6:19**
